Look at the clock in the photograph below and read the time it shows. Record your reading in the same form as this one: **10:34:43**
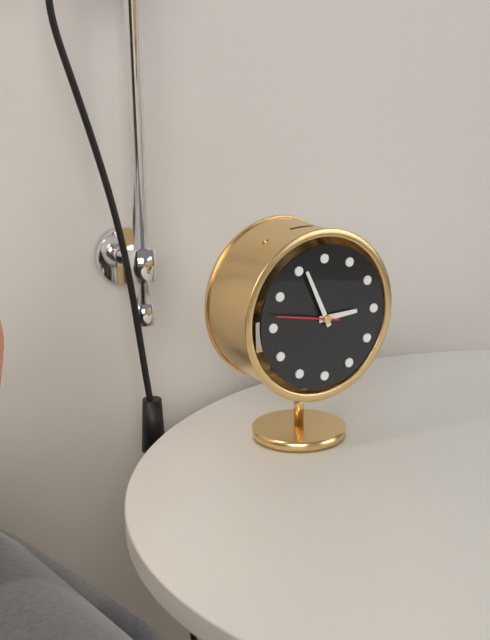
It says **2:56:47**
